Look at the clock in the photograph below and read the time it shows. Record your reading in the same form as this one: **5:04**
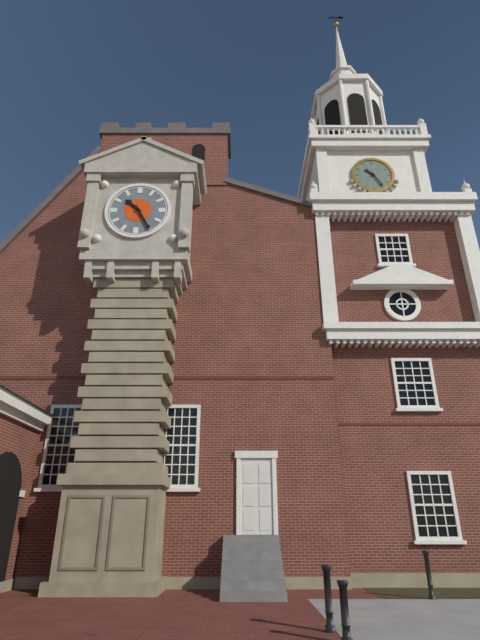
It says **10:25**
